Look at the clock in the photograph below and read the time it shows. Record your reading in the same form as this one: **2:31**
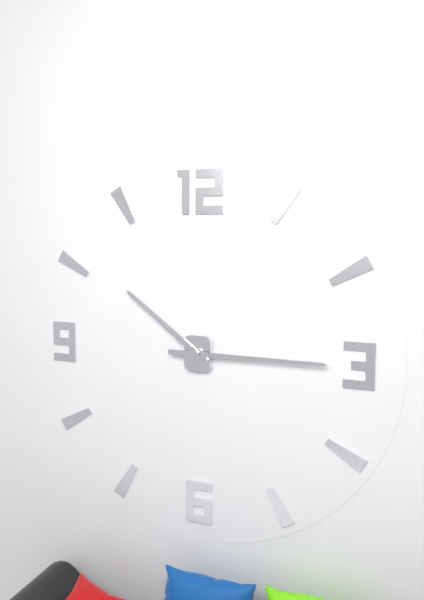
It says **10:15**
